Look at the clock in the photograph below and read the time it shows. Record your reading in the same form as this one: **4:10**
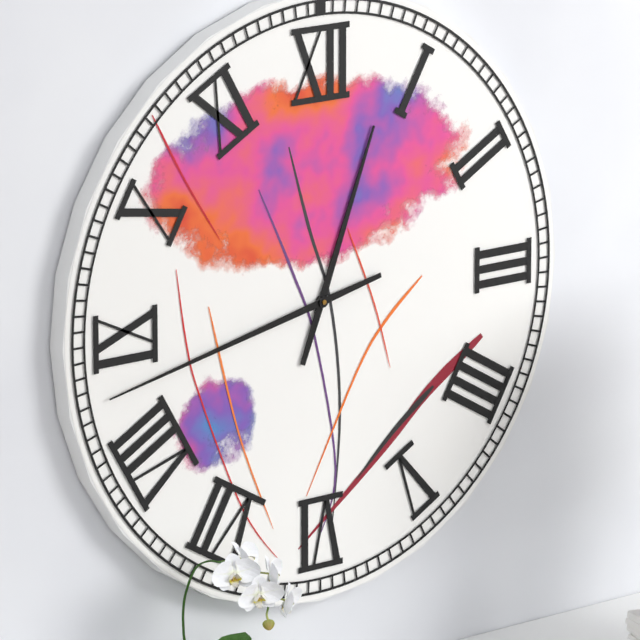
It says **12:43**
